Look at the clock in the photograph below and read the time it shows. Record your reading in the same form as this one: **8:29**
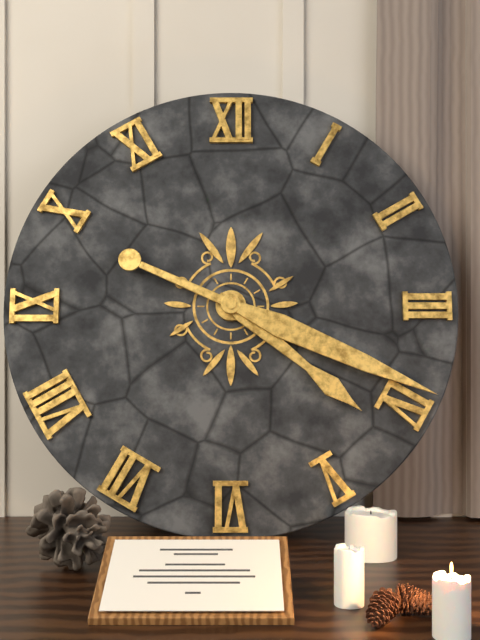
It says **4:19**
